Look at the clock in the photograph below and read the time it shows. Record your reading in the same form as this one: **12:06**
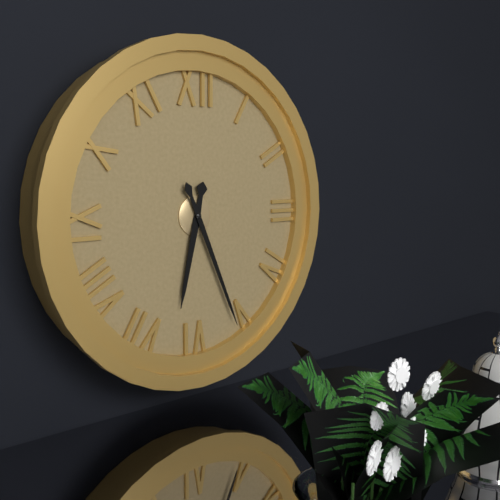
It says **6:26**
